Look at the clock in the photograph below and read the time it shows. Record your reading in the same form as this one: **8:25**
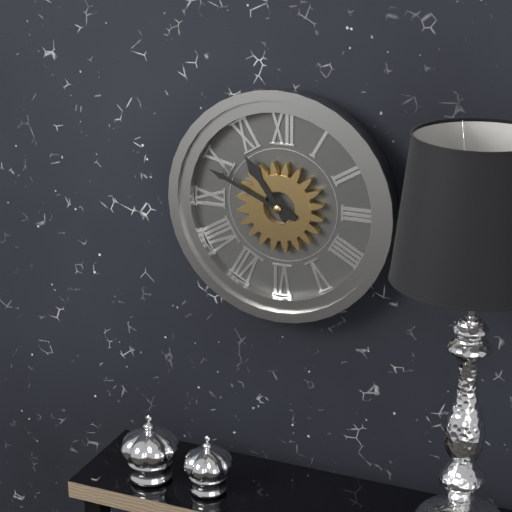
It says **10:49**
